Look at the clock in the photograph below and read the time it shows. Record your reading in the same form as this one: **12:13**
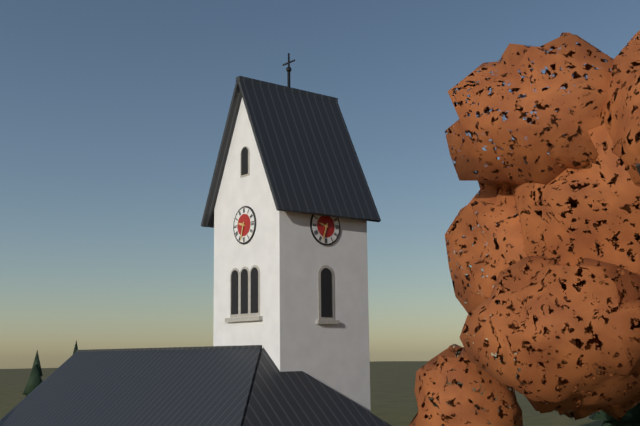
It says **9:33**
